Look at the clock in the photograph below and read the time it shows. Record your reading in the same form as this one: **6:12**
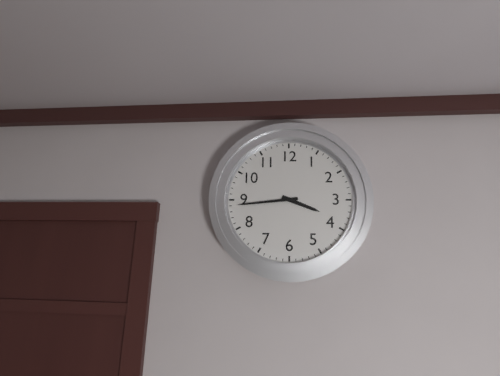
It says **3:44**
